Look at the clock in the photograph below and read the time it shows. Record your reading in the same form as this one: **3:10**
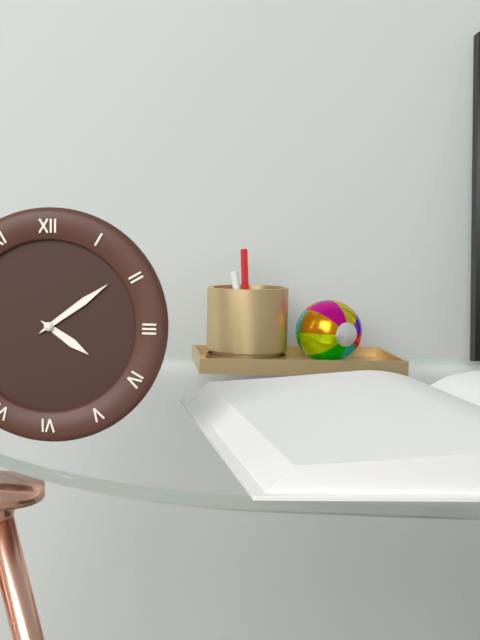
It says **4:09**
